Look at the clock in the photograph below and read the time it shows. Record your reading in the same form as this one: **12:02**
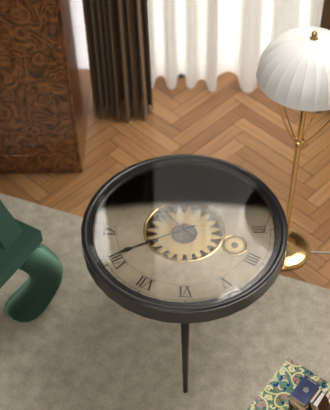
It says **10:41**
